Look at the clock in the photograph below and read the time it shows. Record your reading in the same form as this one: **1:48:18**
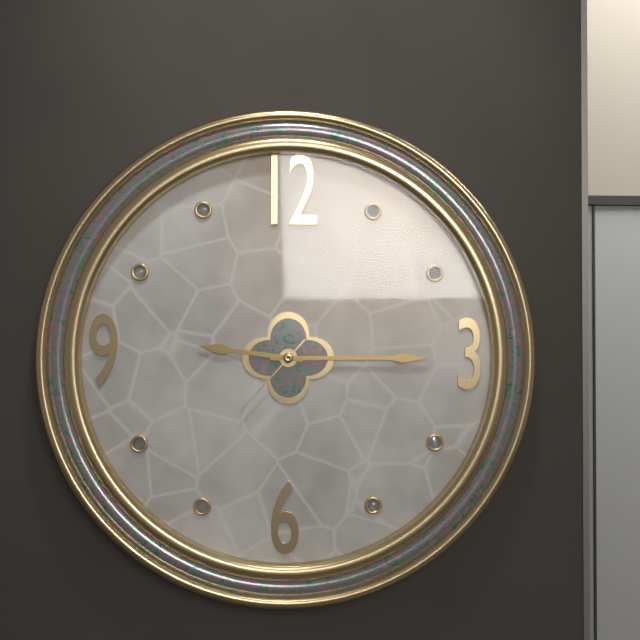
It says **9:15:37**
